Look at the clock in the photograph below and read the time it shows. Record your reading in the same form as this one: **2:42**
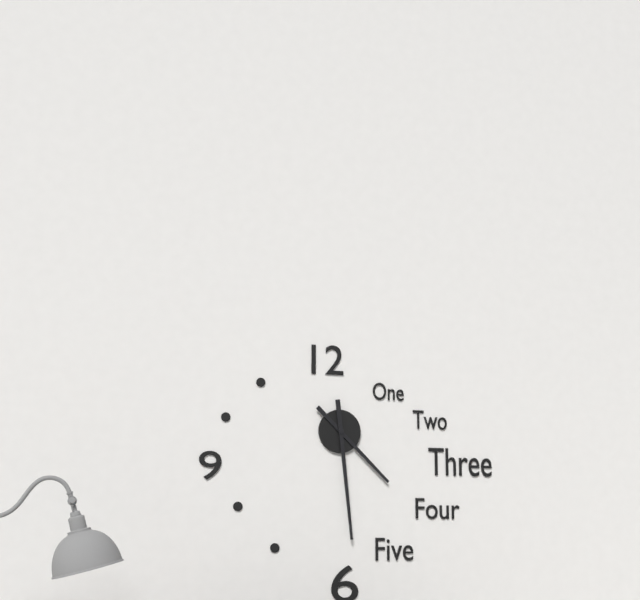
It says **4:29**
